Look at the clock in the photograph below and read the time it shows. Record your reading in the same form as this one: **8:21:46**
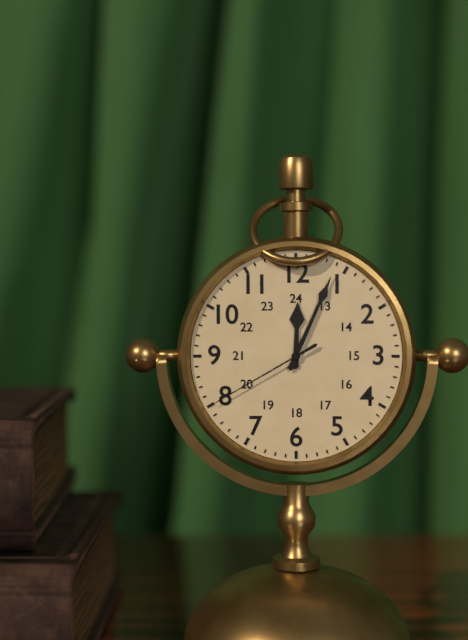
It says **12:04:40**
